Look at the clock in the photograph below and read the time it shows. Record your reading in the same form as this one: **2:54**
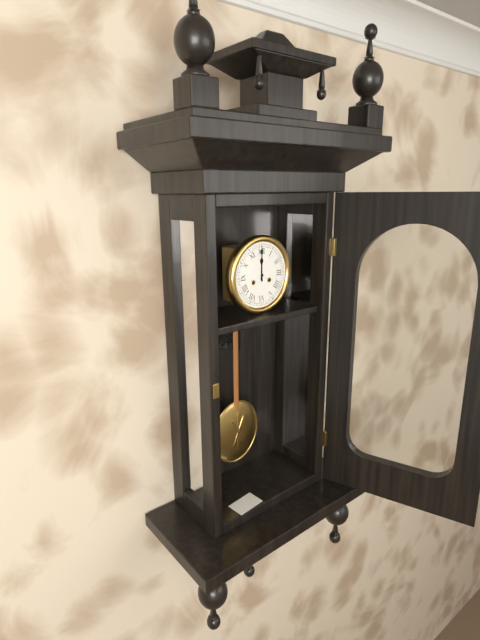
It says **12:00**
